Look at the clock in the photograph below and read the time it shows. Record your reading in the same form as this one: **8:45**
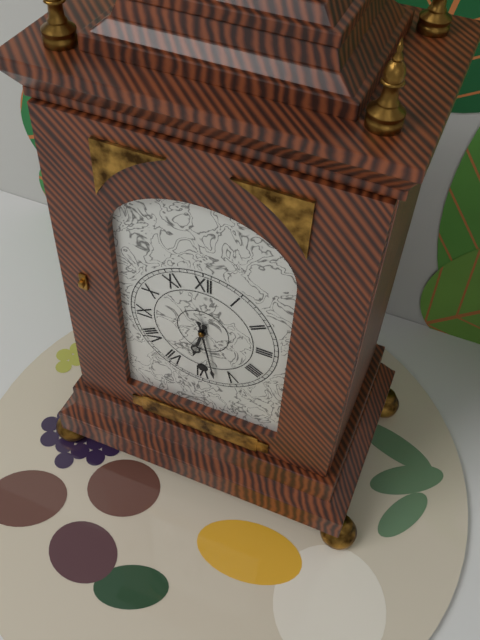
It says **6:28**
